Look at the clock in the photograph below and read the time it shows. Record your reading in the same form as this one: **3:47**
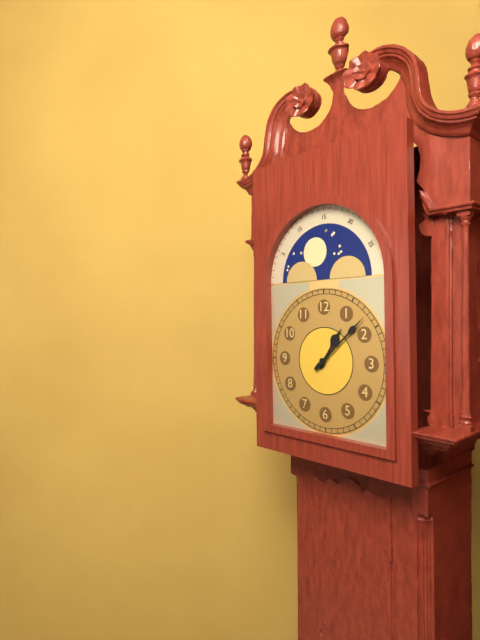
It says **1:08**
